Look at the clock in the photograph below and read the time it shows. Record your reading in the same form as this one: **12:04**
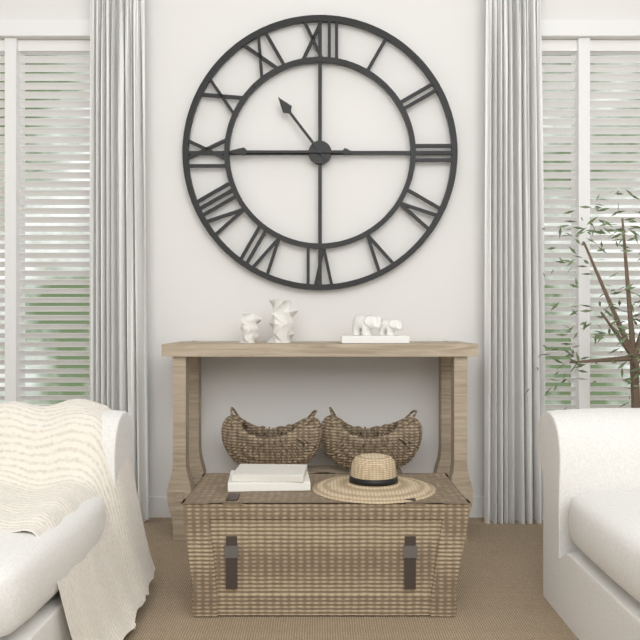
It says **10:45**
